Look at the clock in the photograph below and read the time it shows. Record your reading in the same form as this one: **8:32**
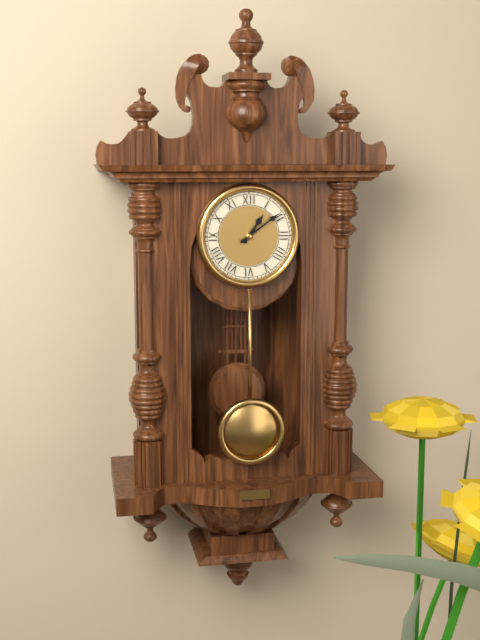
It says **1:09**
